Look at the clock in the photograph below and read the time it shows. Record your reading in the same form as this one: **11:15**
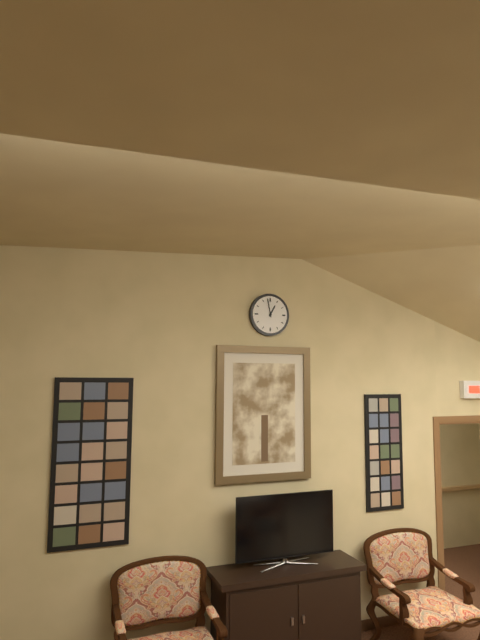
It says **12:58**
